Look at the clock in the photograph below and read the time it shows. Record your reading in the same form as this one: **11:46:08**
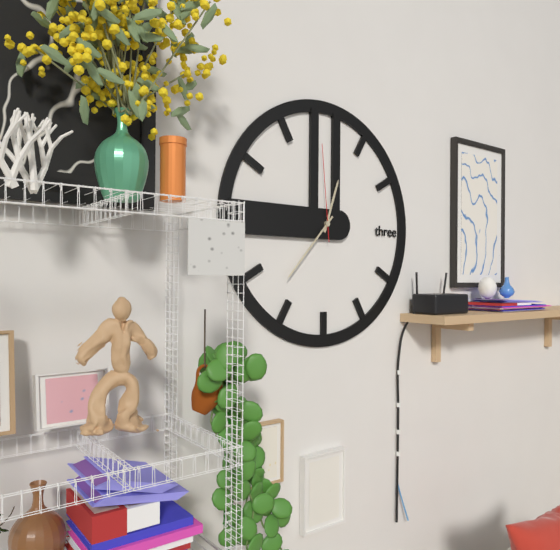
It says **12:37:59**
